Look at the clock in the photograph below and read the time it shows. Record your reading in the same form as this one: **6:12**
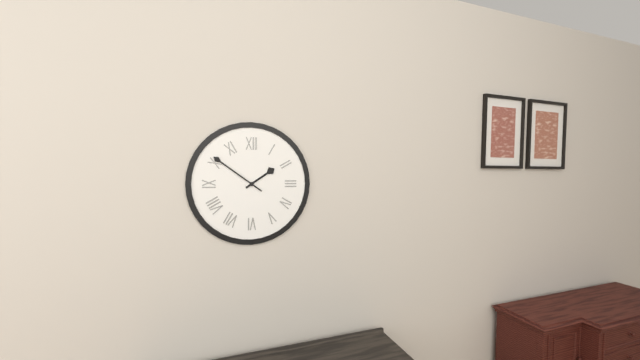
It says **1:51**
